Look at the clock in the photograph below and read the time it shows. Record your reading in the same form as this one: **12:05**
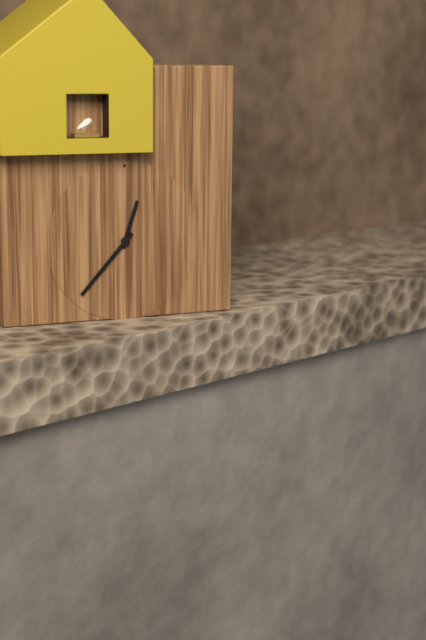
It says **12:37**
